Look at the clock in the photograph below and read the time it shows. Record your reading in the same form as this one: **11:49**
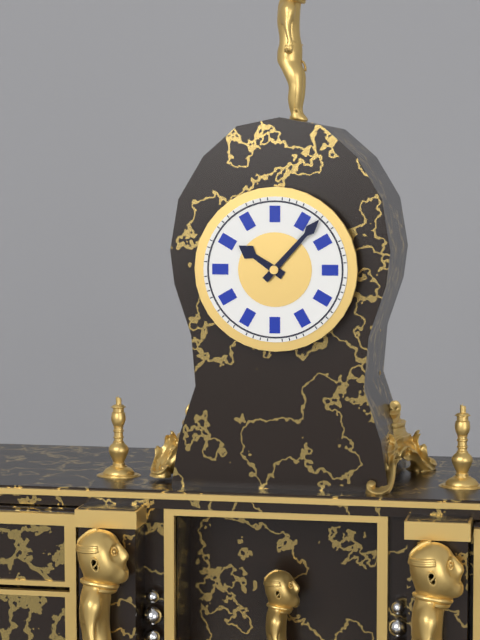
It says **10:07**
